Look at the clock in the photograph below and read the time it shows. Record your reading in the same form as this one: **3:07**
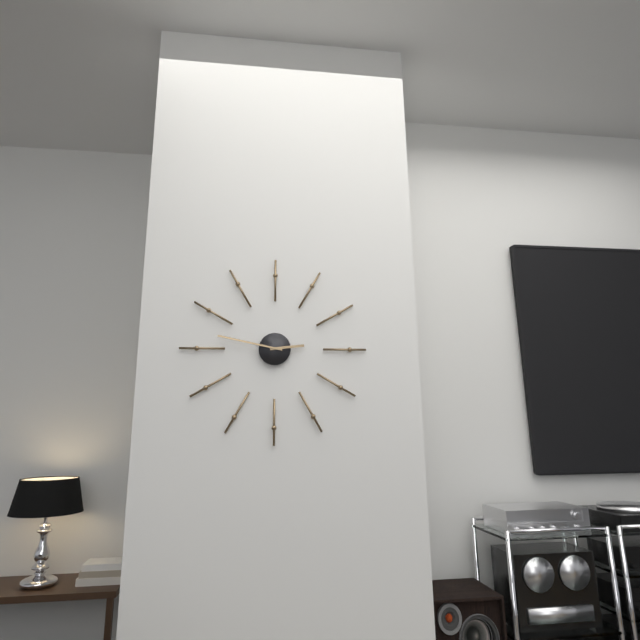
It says **2:47**
